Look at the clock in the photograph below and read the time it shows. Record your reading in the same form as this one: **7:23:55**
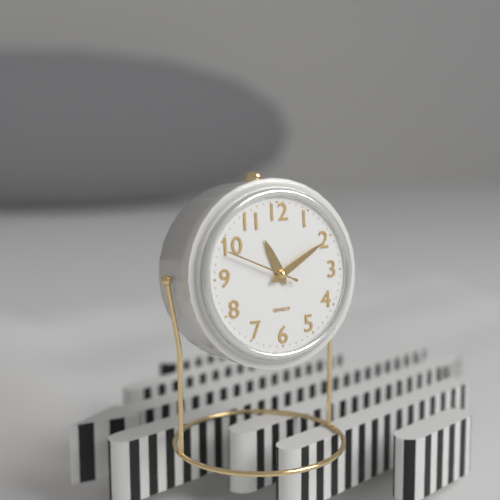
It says **11:10:49**
